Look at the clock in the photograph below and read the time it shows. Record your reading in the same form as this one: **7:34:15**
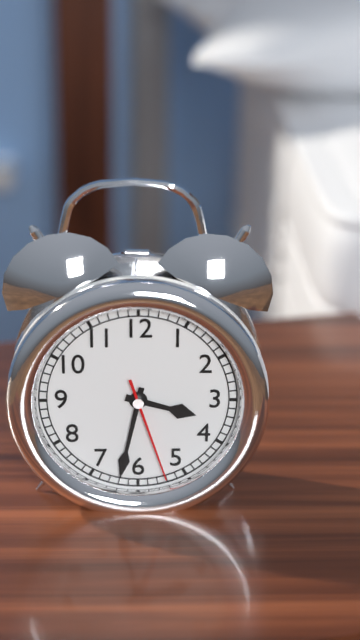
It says **3:32:27**
